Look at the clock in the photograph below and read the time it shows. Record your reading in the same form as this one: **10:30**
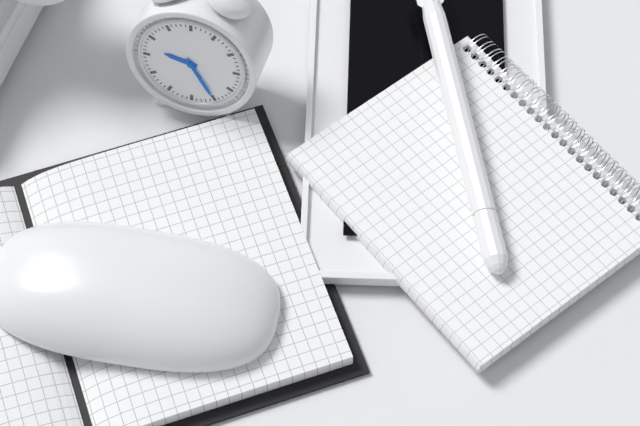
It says **9:25**
